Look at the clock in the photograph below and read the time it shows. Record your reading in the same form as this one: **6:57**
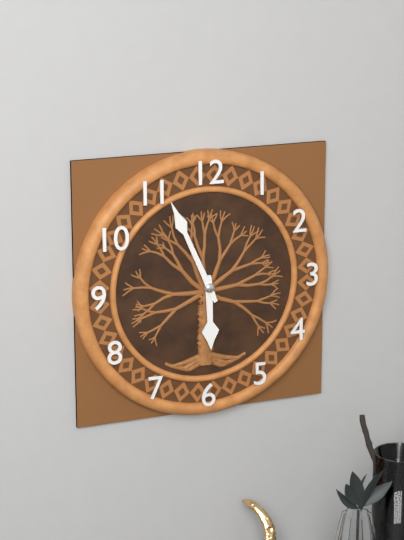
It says **5:56**
